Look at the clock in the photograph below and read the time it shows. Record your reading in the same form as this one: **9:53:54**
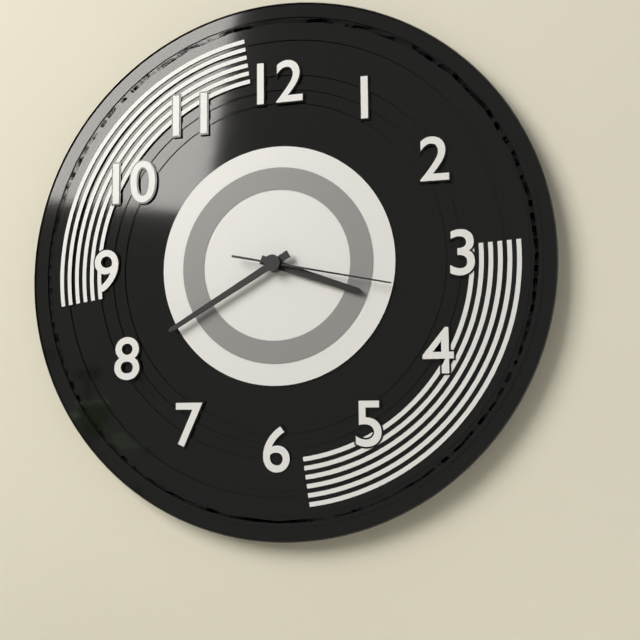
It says **3:40:17**
